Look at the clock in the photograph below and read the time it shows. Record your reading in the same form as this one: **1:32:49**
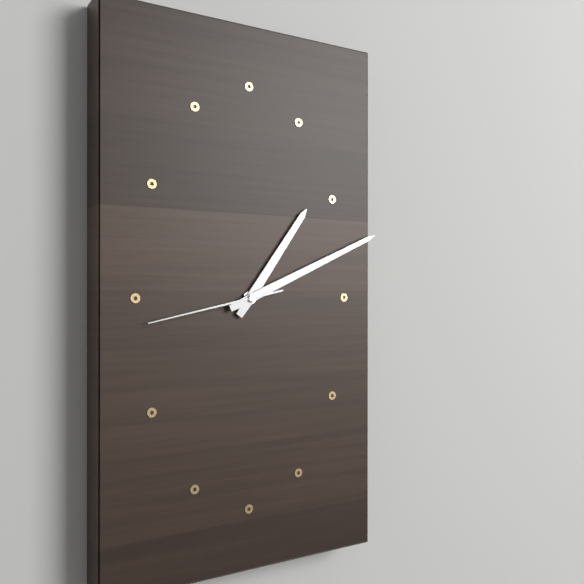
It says **1:11:43**
